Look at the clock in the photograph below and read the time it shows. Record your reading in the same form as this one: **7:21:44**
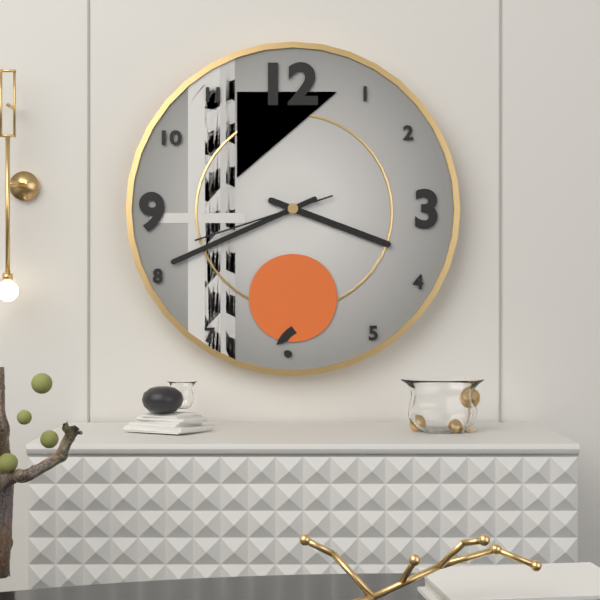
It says **3:41:42**
